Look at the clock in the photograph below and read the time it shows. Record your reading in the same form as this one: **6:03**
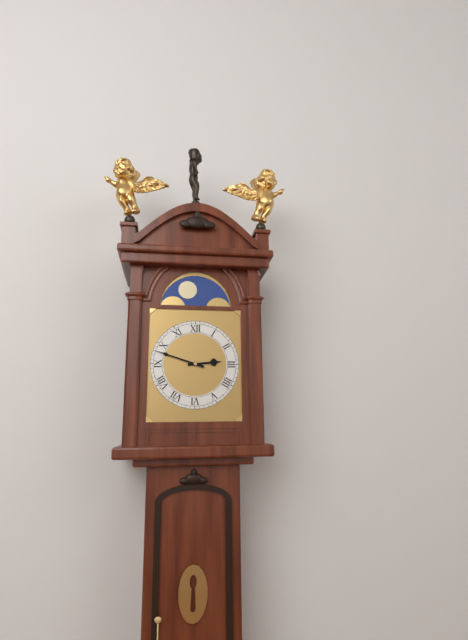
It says **2:48**
